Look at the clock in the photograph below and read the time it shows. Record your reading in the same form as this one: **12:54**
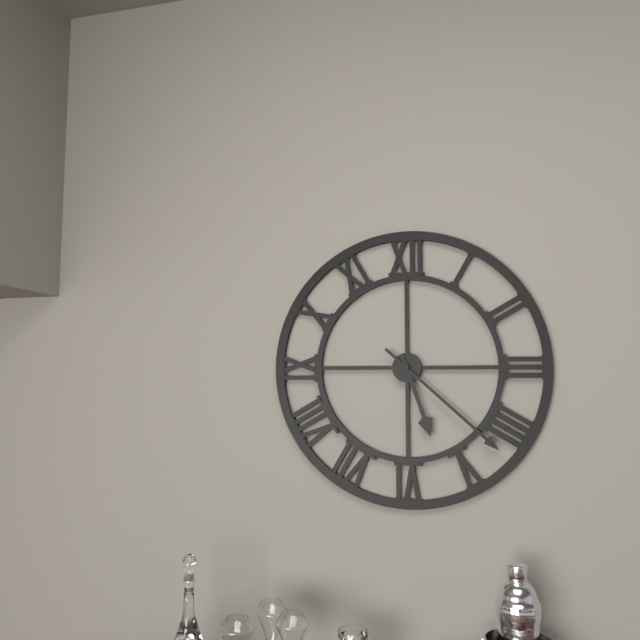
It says **5:22**
